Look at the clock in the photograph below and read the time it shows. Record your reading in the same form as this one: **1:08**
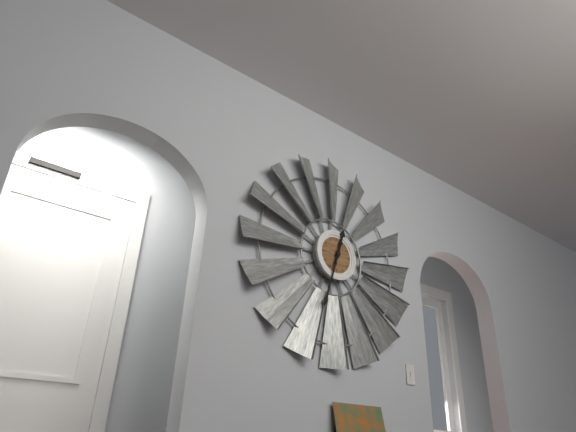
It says **12:33**
